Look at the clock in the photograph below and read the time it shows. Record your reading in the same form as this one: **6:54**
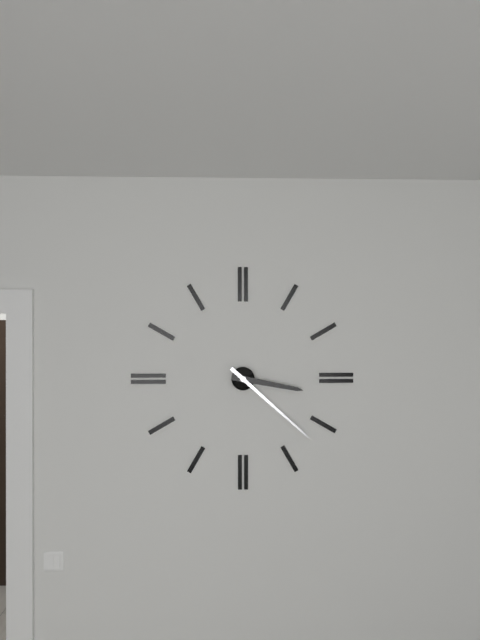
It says **3:22**
